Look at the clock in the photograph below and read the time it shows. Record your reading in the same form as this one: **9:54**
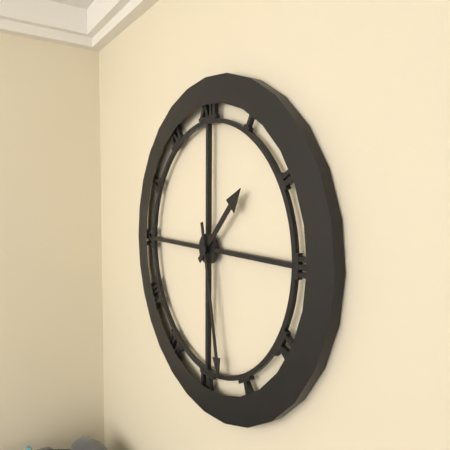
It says **1:28**
